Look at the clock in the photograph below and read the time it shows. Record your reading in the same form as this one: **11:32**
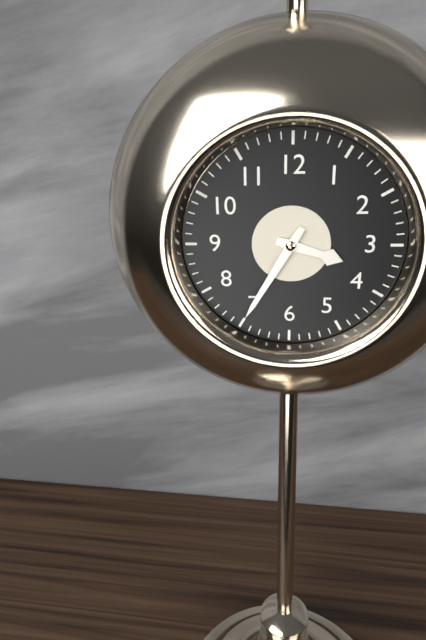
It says **3:35**
